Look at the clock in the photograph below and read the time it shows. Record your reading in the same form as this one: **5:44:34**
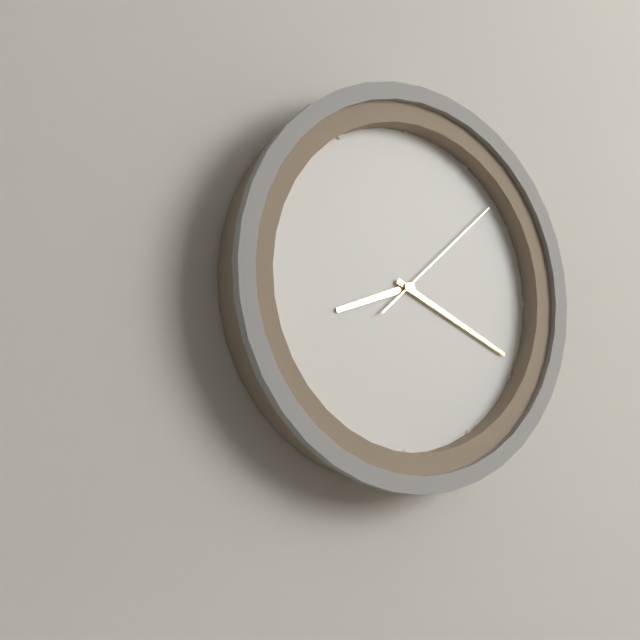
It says **8:19:08**
